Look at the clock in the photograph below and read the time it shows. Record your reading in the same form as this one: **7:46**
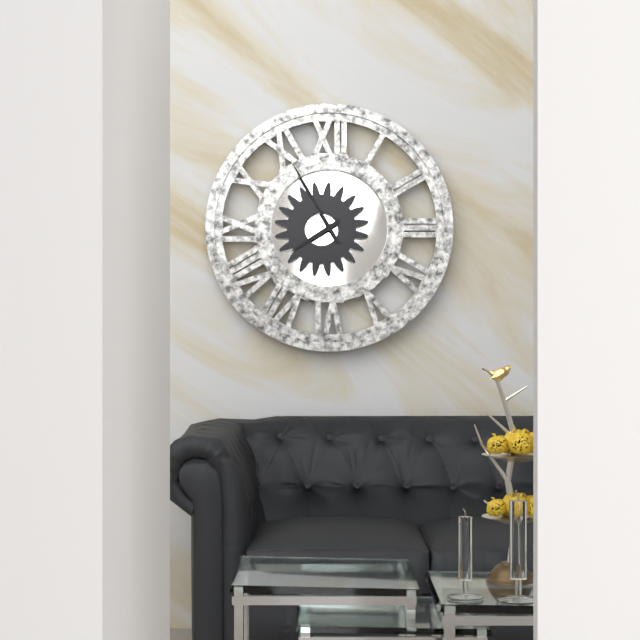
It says **7:55**
